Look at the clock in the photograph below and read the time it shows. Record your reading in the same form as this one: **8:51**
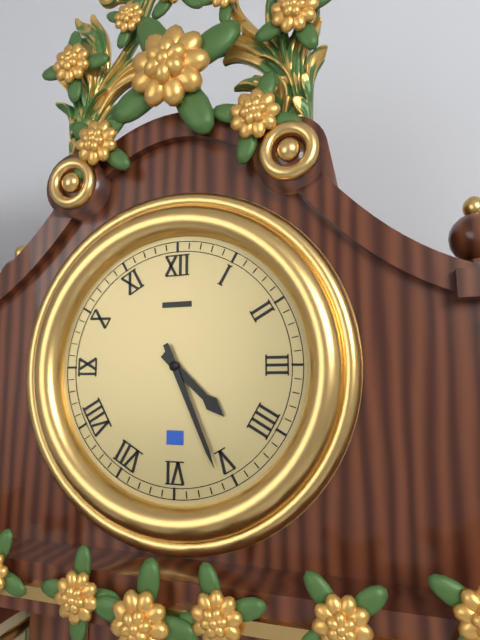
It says **4:26**
